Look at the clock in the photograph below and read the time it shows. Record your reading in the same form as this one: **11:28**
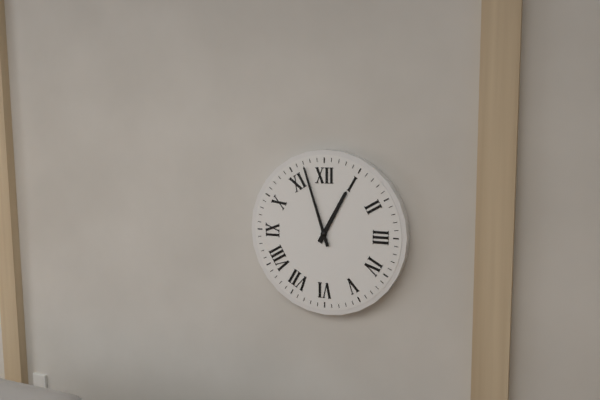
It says **12:57**
